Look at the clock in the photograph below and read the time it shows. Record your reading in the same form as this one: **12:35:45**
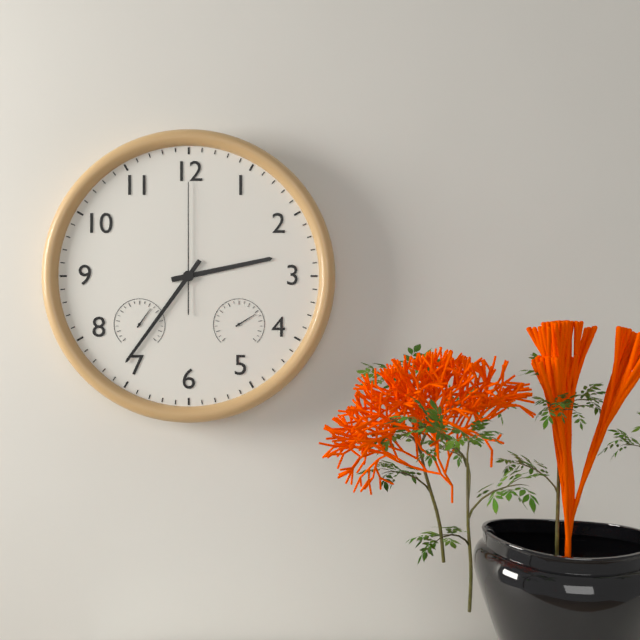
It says **2:36:00**
